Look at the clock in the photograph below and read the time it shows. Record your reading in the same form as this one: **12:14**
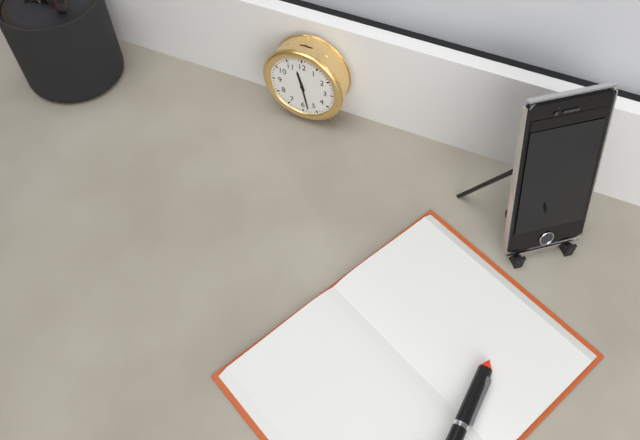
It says **11:28**
